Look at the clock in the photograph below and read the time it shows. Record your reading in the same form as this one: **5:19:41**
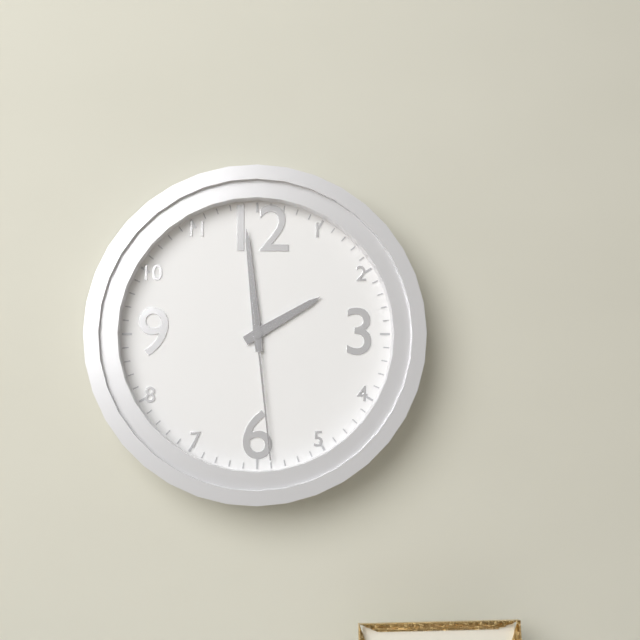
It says **1:59:29**
